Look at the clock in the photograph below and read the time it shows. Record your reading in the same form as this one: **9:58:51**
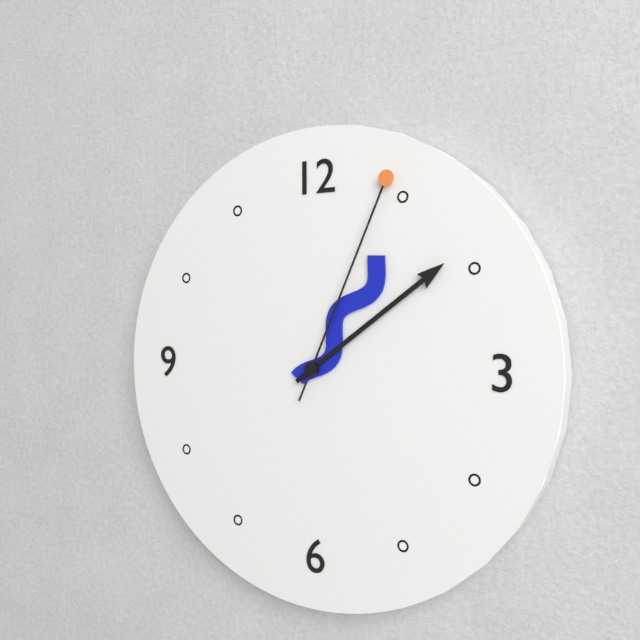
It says **1:09:04**
